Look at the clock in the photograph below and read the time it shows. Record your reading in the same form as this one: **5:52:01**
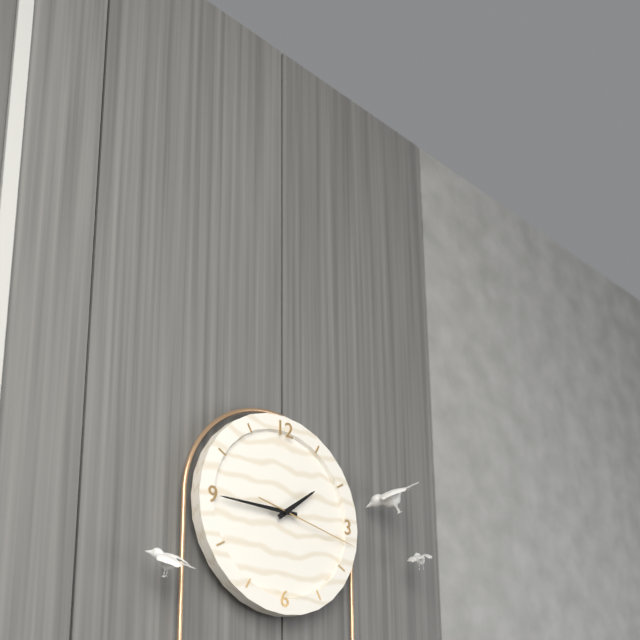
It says **1:45:17**
